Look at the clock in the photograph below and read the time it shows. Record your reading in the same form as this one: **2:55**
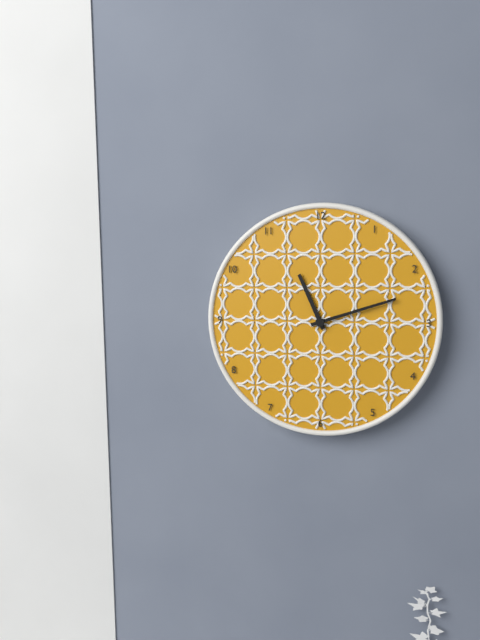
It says **11:12**
